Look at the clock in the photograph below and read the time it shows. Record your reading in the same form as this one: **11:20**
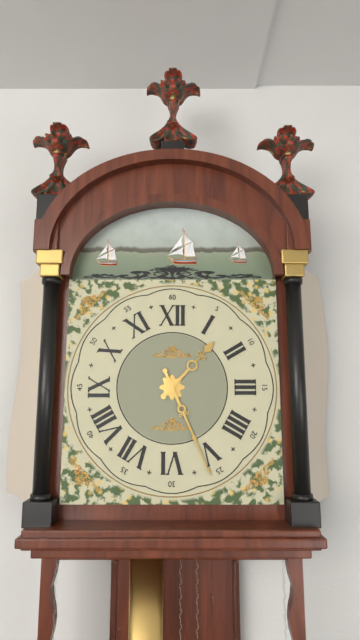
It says **1:26**
